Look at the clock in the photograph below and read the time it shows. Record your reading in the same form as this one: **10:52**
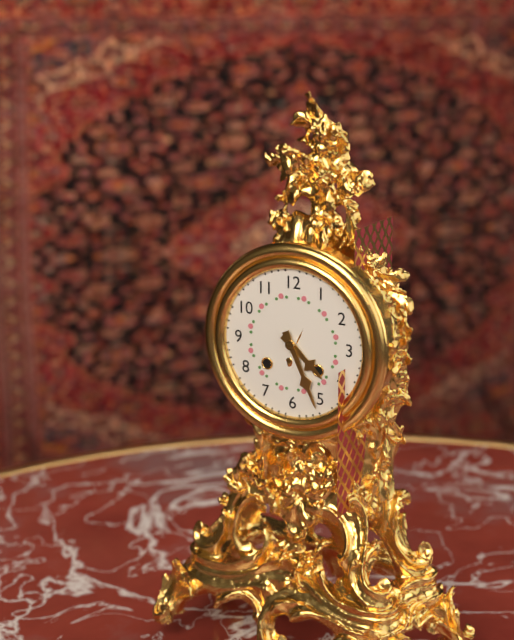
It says **4:26**
